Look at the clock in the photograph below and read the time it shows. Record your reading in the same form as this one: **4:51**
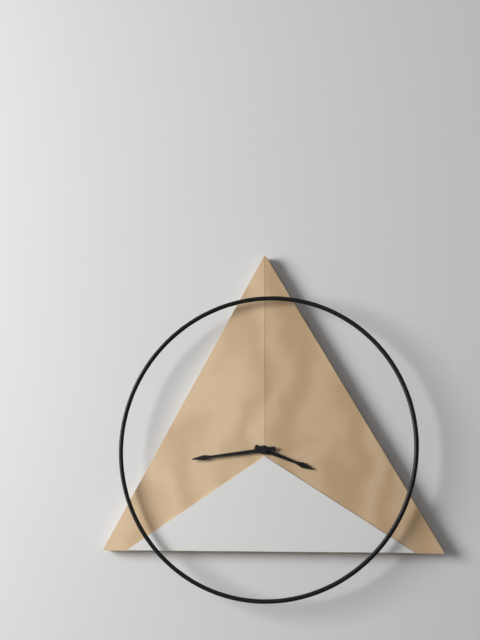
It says **3:44**
